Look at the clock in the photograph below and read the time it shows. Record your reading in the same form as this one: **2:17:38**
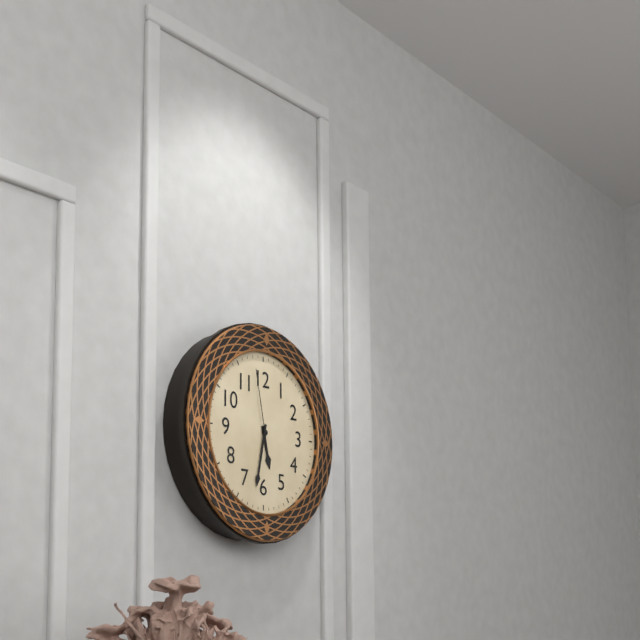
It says **5:32:58**
